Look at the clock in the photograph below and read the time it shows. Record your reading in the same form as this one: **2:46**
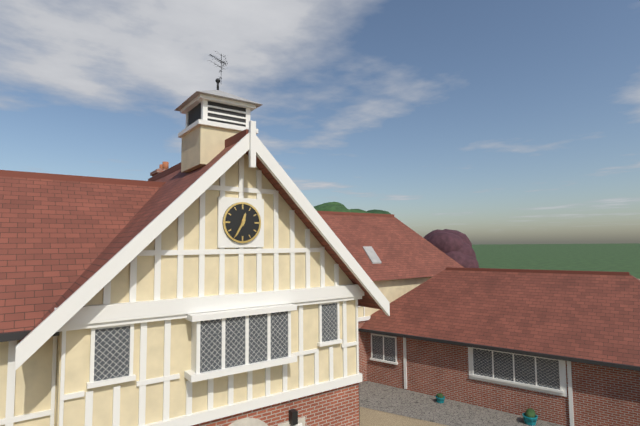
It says **12:35**
